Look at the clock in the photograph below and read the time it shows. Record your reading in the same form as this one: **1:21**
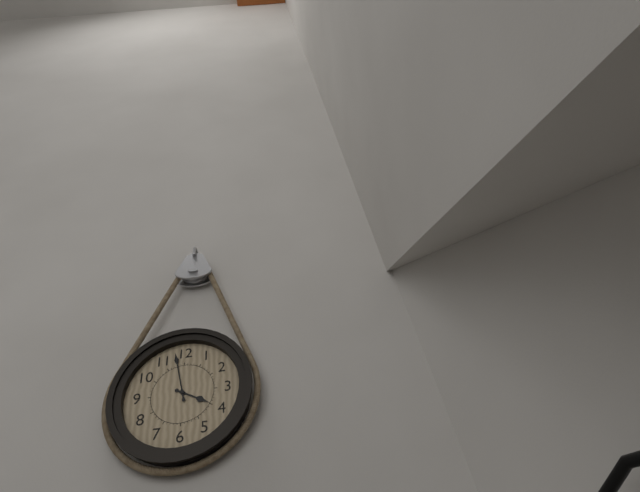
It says **3:58**
